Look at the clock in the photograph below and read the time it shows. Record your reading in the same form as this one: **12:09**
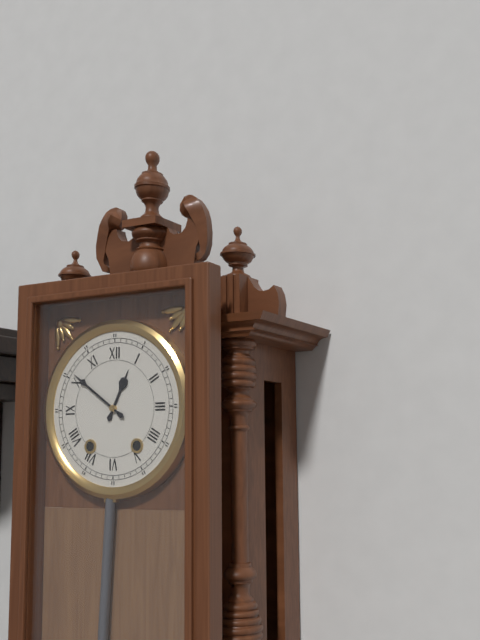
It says **12:51**
